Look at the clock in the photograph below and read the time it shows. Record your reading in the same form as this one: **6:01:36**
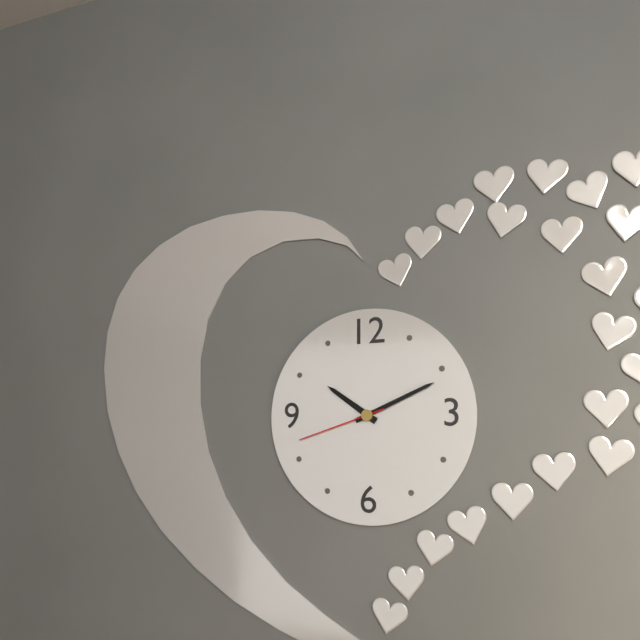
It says **10:11:42**
